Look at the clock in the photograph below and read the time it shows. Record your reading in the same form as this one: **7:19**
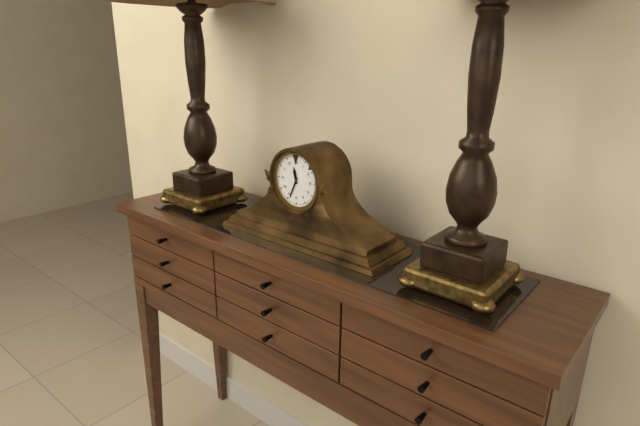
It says **11:34**
